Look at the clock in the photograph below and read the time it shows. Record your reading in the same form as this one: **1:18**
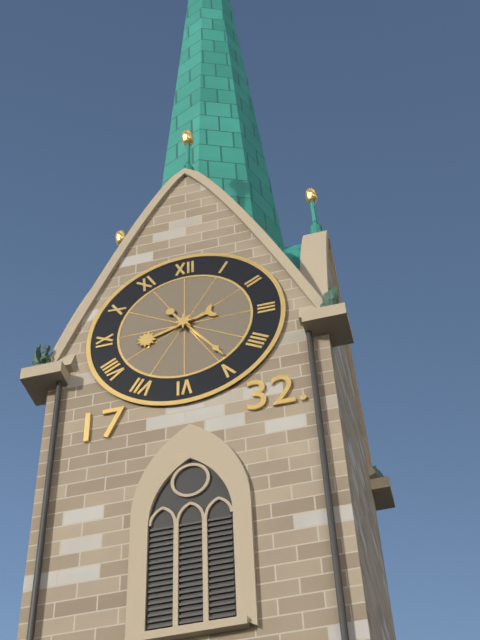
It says **8:24**
